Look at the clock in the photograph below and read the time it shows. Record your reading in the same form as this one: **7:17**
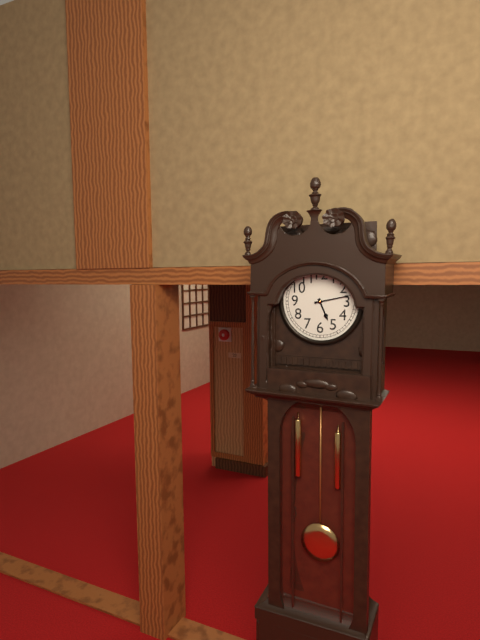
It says **5:13**
